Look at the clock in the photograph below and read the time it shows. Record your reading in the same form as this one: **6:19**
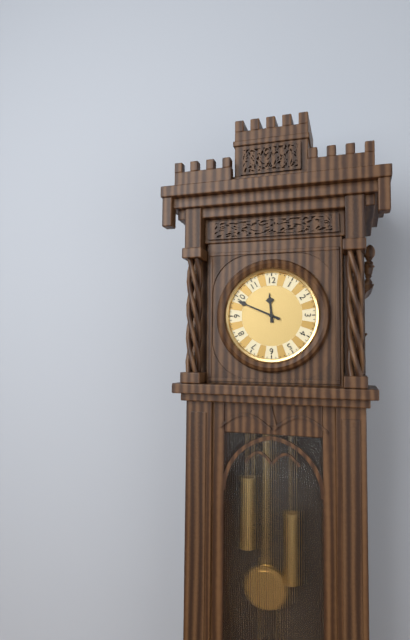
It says **11:49**
